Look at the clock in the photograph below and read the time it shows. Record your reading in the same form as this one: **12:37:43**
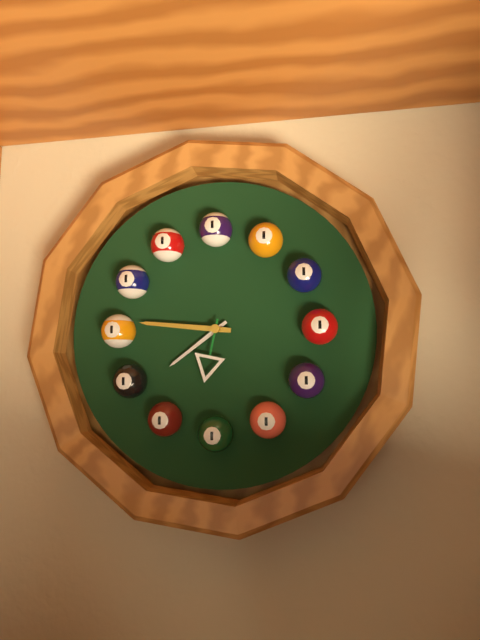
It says **7:46:32**
